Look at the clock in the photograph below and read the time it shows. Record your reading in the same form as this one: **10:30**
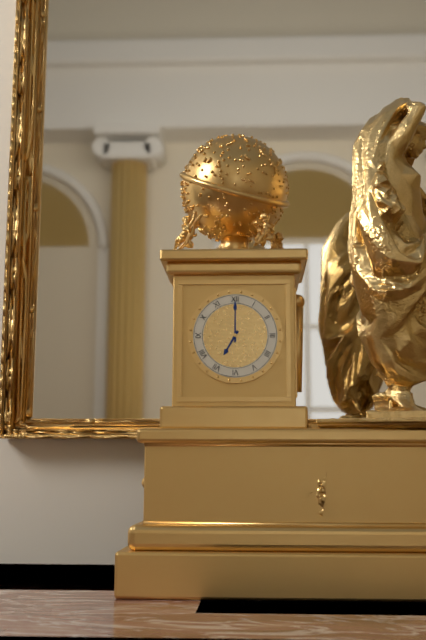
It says **7:00**
